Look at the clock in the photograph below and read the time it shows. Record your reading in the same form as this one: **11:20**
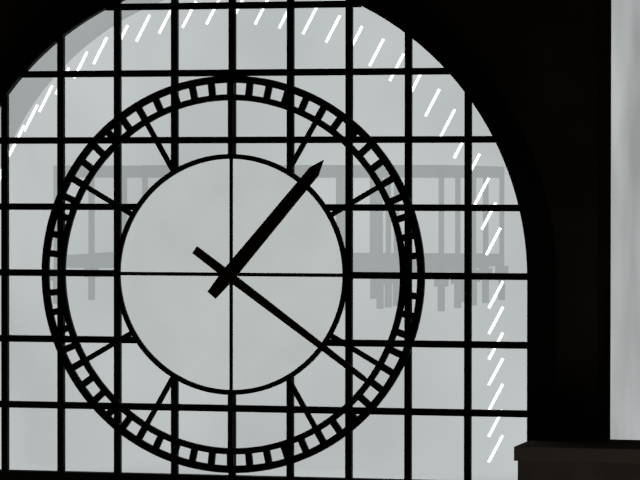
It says **1:21**
